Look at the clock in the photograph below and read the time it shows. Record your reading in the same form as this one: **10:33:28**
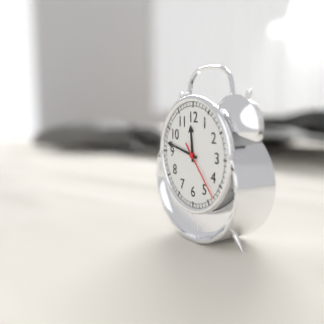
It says **11:47:23**
